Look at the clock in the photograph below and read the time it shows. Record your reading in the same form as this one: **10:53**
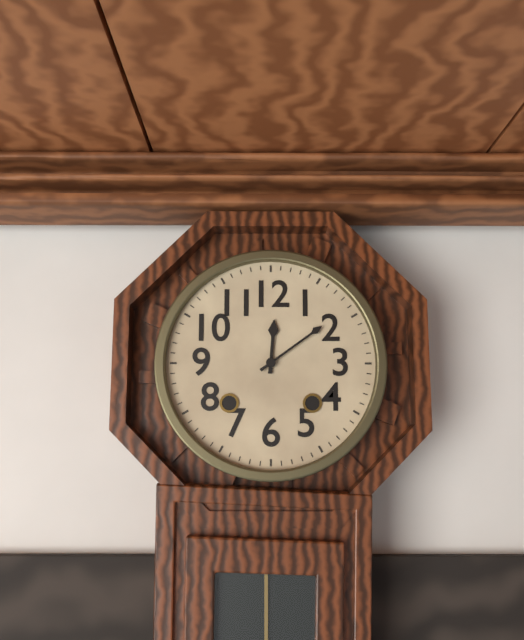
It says **12:09**
